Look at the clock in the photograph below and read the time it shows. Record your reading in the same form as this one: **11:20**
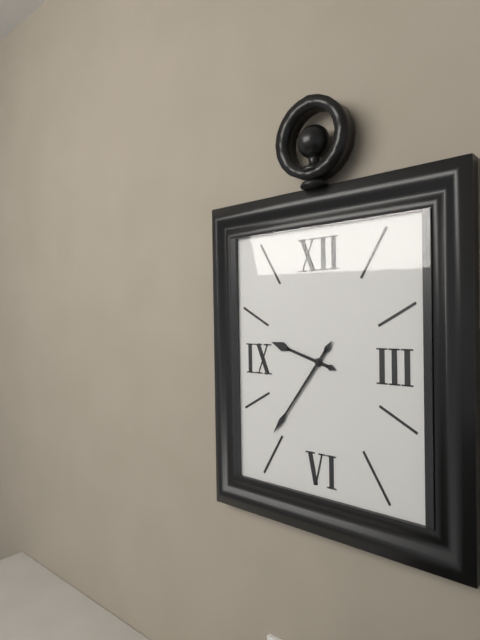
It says **9:36**
